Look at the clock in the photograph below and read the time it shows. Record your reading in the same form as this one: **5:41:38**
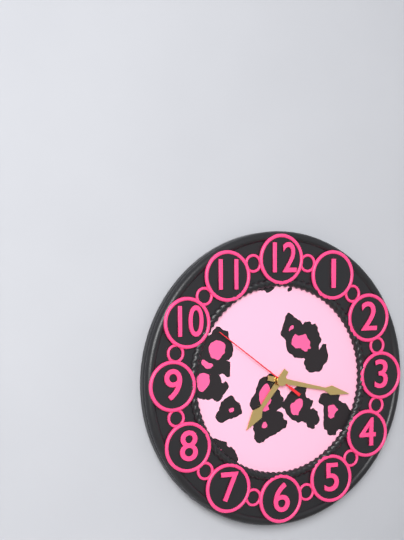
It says **7:17:51**
